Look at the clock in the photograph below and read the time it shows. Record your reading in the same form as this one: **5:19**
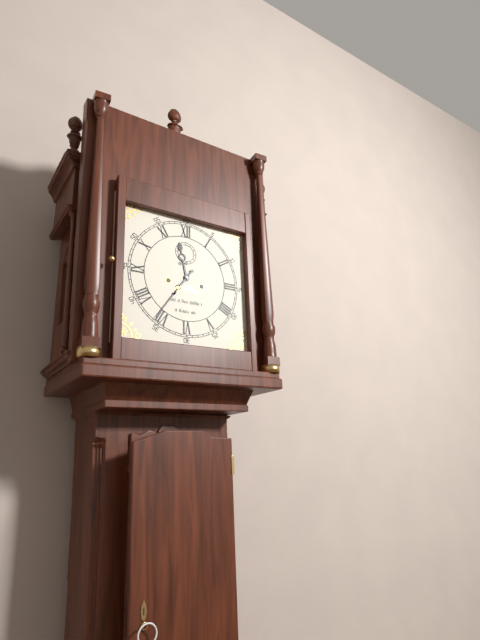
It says **11:36**
